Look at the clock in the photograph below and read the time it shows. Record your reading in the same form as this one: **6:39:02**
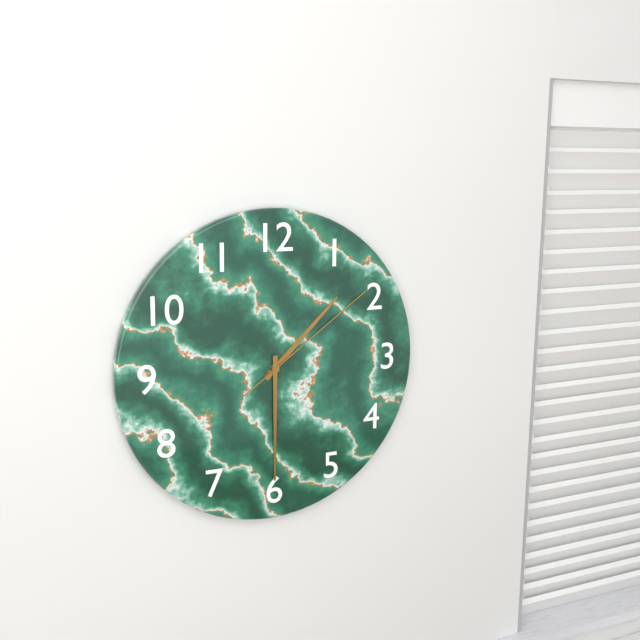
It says **1:30:09**
